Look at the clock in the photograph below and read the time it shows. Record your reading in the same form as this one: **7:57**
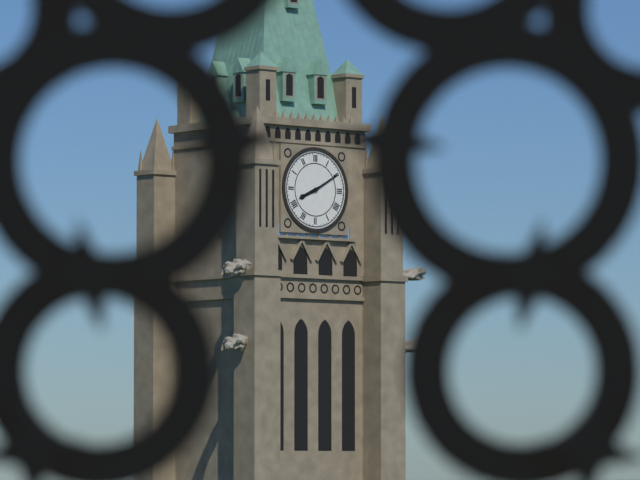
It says **8:10**
